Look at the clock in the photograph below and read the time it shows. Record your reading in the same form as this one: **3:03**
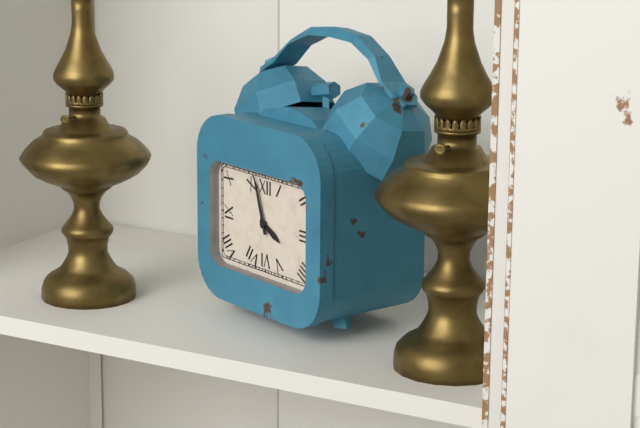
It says **3:57**
